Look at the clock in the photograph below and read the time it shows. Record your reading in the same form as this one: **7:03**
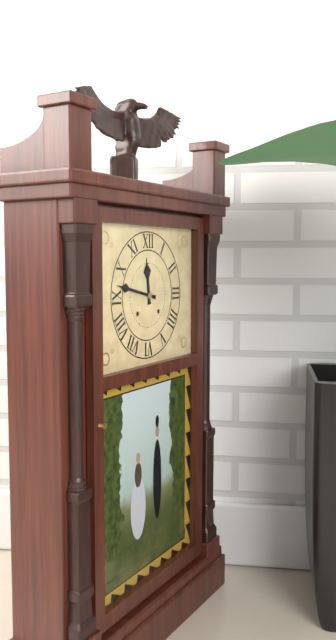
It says **11:47**
